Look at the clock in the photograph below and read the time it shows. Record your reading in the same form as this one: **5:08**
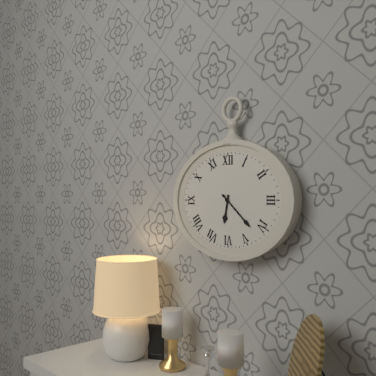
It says **6:22**
